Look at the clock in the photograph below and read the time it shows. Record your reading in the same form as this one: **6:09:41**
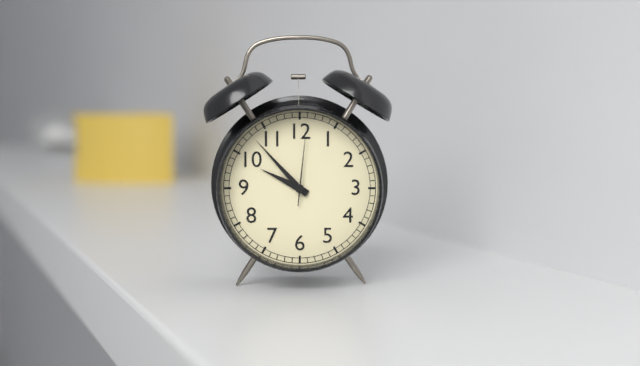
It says **9:53:01**
